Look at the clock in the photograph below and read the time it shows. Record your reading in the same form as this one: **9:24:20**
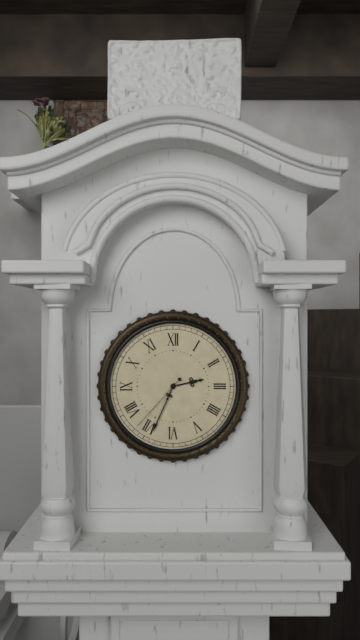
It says **2:34:37**
